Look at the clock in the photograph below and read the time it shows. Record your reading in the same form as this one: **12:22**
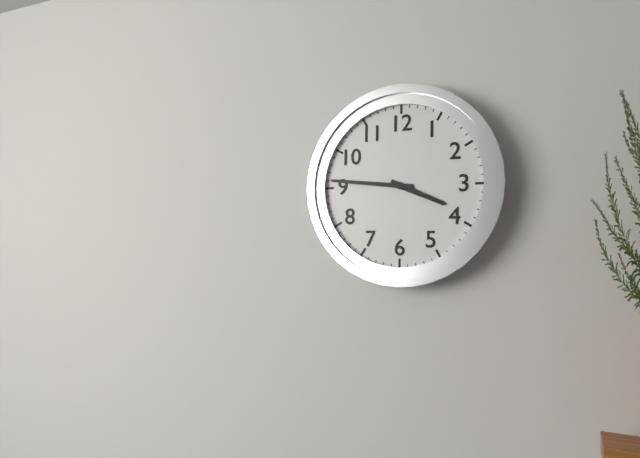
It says **3:46**
